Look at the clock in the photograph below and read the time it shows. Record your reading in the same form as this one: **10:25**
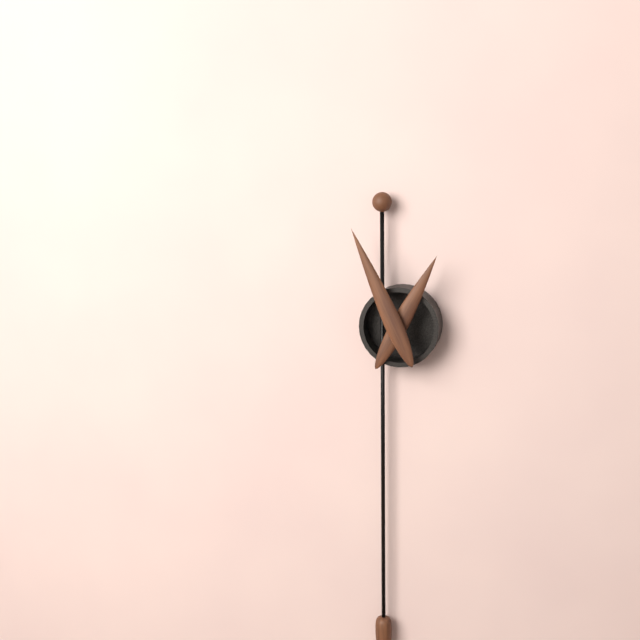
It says **12:56**
